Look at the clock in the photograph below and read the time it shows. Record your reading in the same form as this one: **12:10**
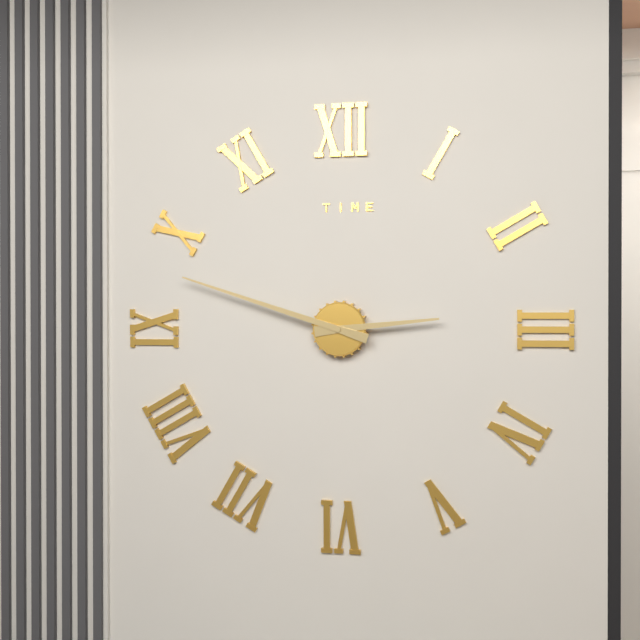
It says **2:48**
